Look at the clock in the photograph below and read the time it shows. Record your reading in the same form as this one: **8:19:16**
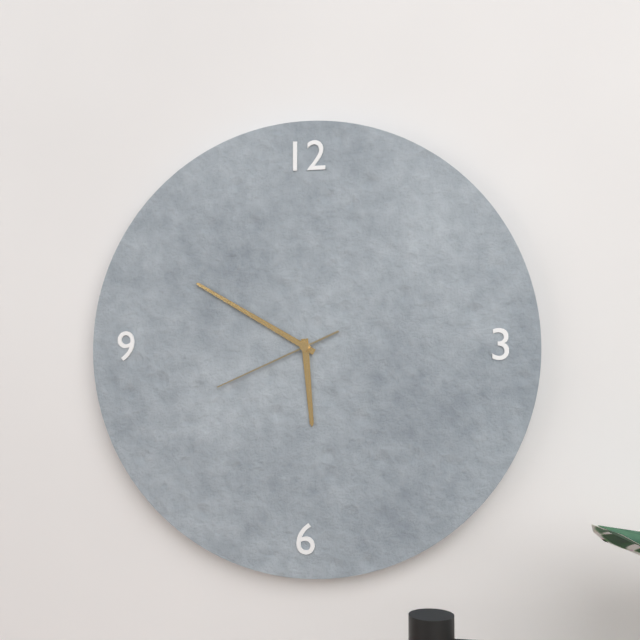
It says **5:50:41**
